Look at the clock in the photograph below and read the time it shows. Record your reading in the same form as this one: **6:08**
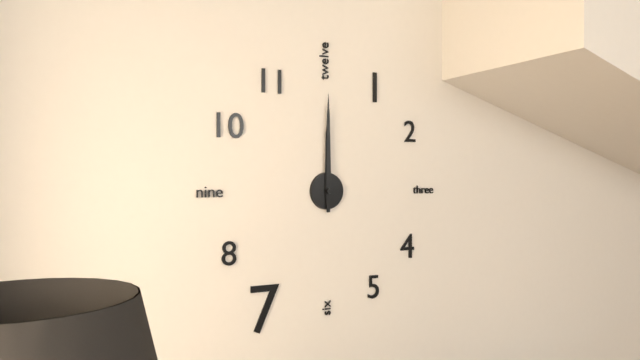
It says **12:00**
